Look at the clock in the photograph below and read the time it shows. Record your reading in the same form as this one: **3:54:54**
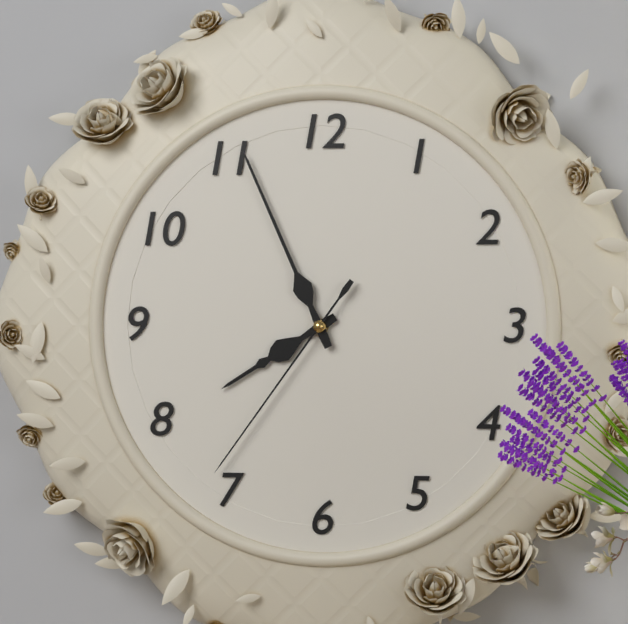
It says **7:56:36**
